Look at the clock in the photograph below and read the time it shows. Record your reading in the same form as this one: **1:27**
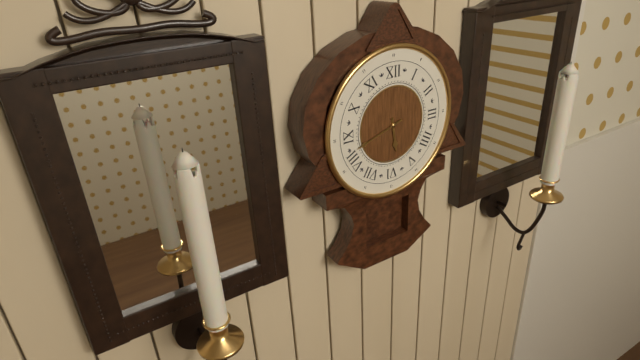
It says **5:42**
